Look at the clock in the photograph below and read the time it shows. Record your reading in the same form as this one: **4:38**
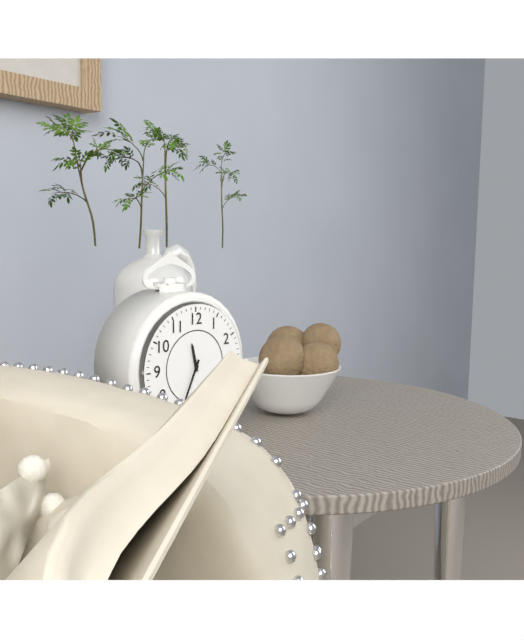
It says **11:34**
